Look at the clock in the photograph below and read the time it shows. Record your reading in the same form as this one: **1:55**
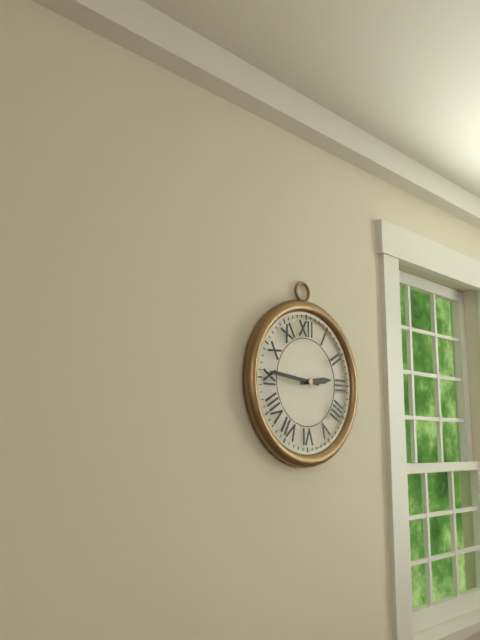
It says **2:46**
